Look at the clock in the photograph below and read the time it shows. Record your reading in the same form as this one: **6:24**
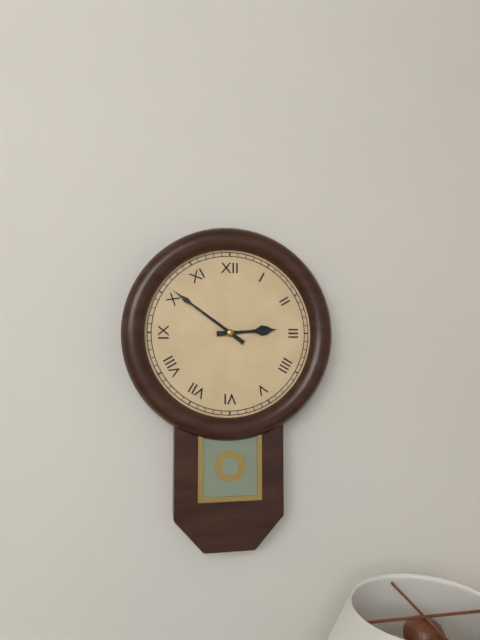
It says **2:51**
